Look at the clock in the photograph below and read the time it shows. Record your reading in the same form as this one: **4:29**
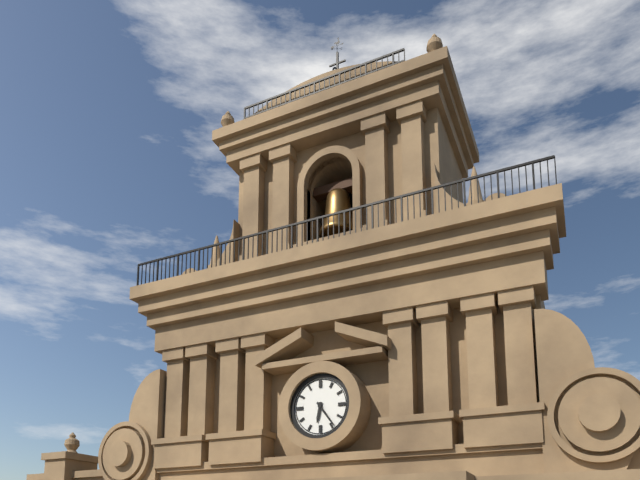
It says **6:24**
